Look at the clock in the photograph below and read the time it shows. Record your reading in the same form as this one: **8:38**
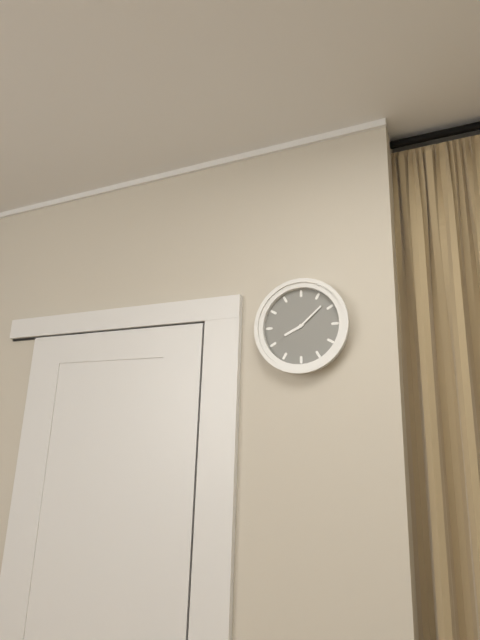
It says **8:08**
